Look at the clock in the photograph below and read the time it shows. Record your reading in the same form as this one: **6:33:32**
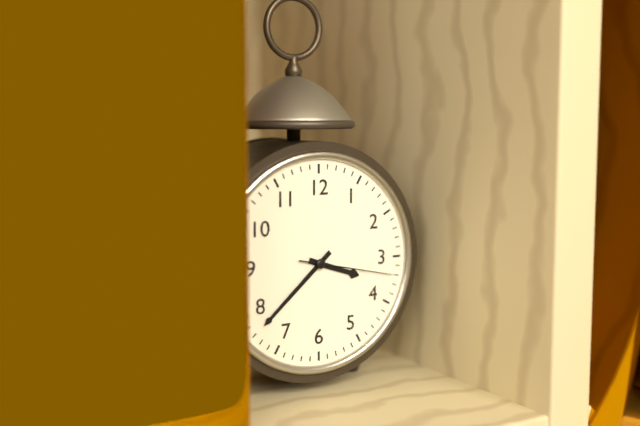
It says **3:38:17**
